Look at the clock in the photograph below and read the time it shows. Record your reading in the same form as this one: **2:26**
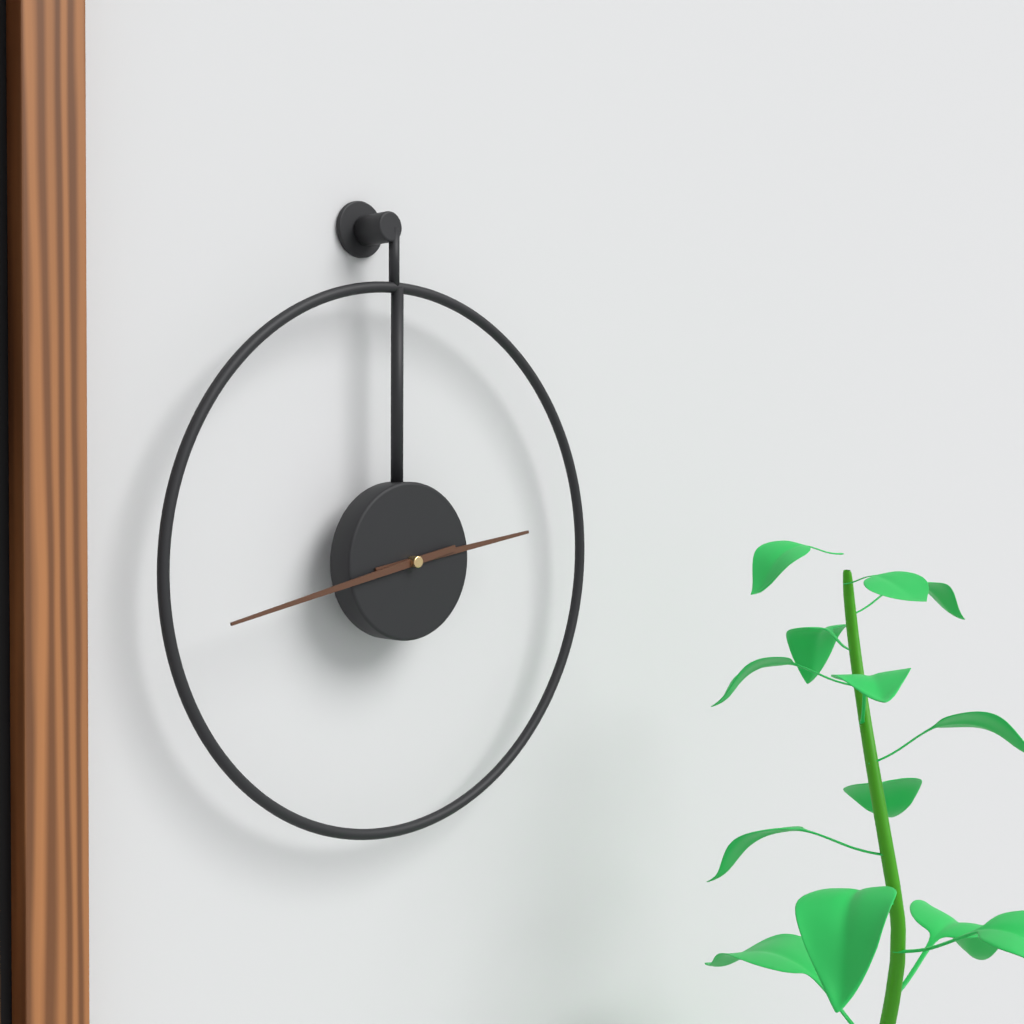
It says **2:43**
